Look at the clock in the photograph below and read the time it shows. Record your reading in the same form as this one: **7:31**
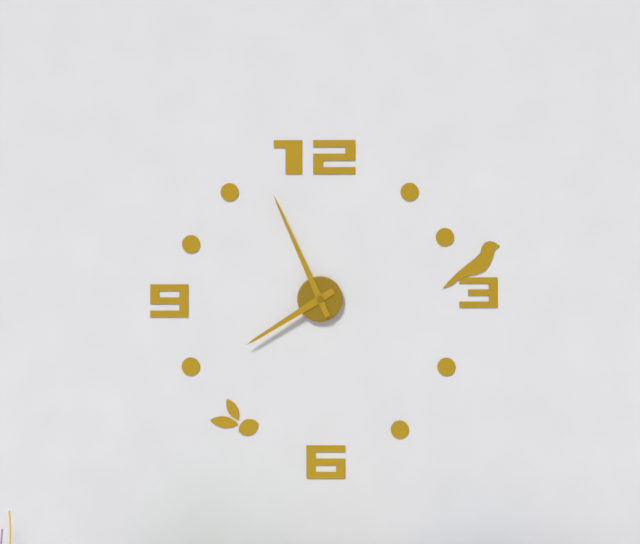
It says **7:56**
